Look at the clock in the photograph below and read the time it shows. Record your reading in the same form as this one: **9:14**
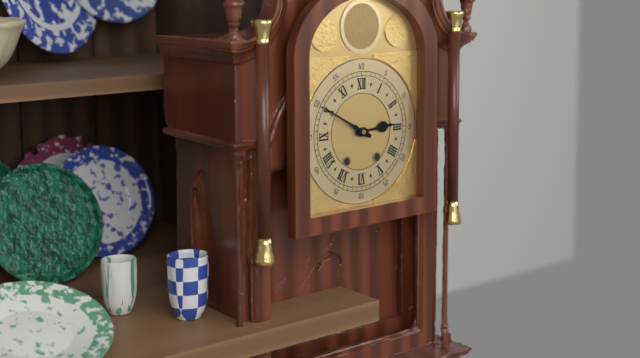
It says **2:50**
